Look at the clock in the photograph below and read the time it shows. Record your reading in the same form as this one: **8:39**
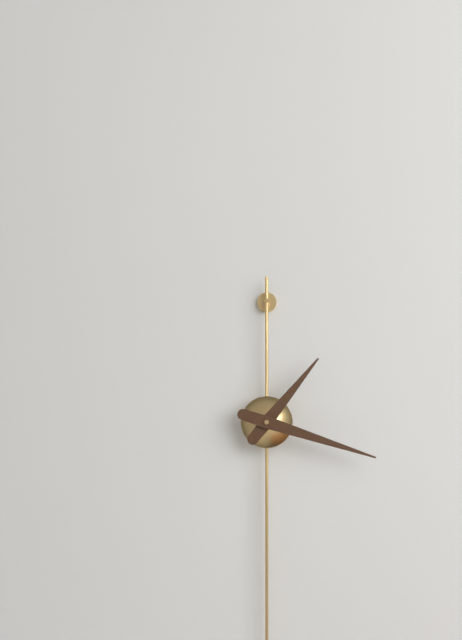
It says **1:18**
